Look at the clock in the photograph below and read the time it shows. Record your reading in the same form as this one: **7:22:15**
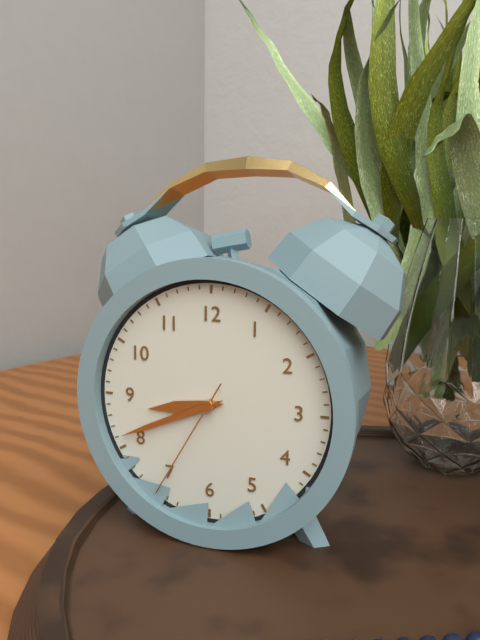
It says **8:41:35**
